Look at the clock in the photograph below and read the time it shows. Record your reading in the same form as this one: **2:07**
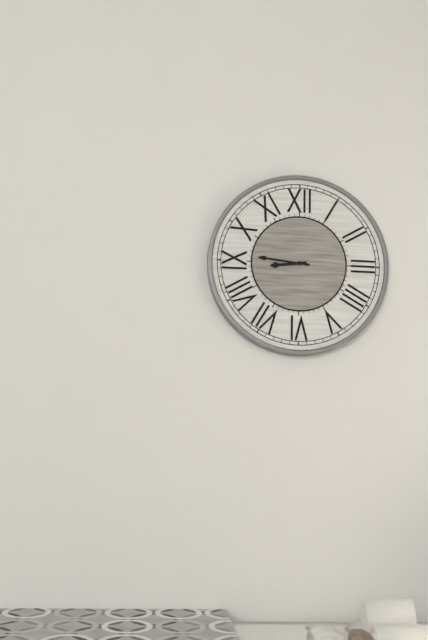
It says **8:46**
